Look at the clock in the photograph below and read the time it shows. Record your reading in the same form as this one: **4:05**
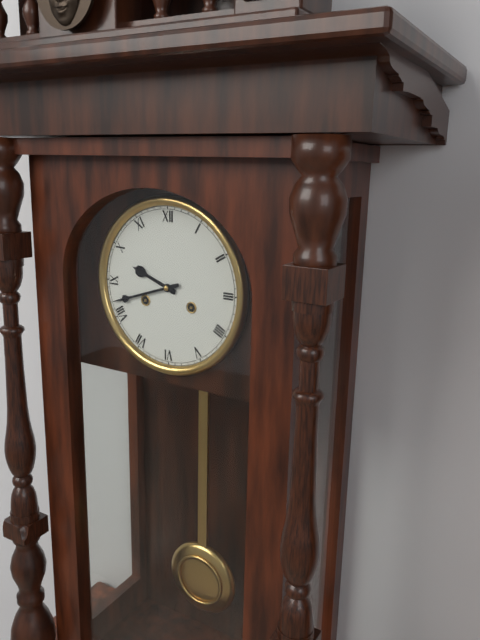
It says **9:42**
